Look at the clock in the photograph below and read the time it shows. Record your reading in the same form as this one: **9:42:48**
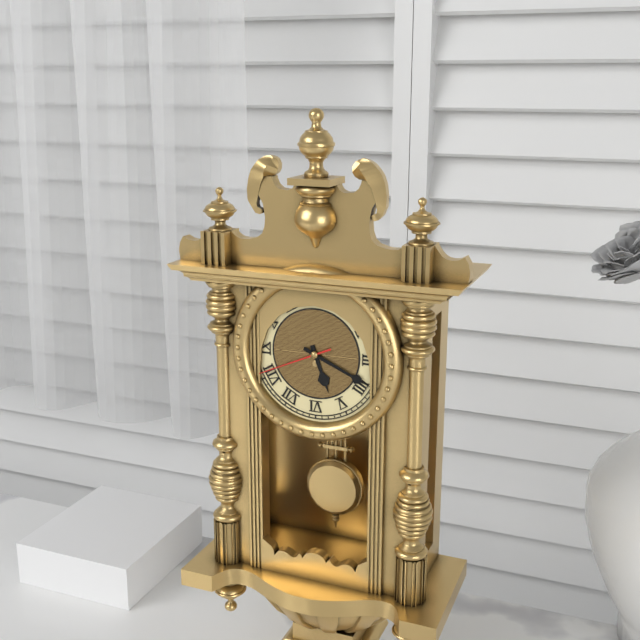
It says **5:19:41**
